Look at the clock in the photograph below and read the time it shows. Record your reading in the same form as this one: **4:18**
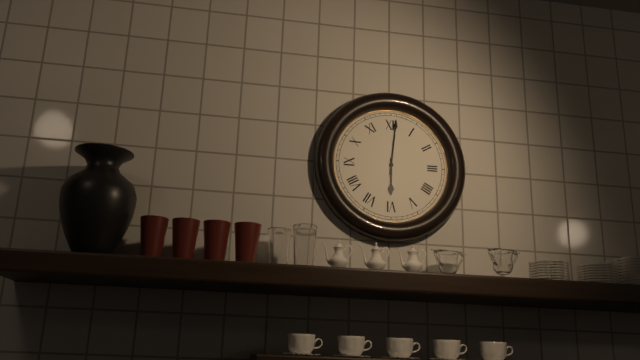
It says **6:01**
